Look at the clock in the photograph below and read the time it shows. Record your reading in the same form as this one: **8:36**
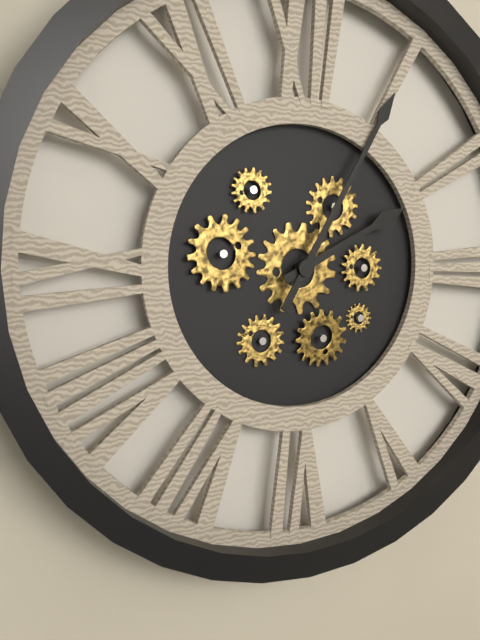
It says **2:05**
